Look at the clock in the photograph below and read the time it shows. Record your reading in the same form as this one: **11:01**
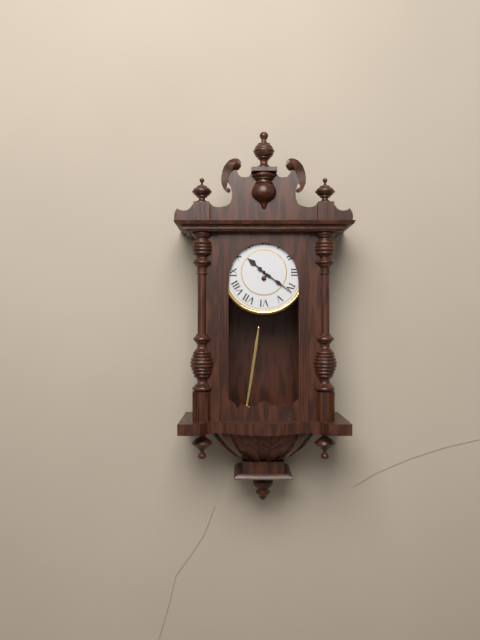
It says **10:21**
